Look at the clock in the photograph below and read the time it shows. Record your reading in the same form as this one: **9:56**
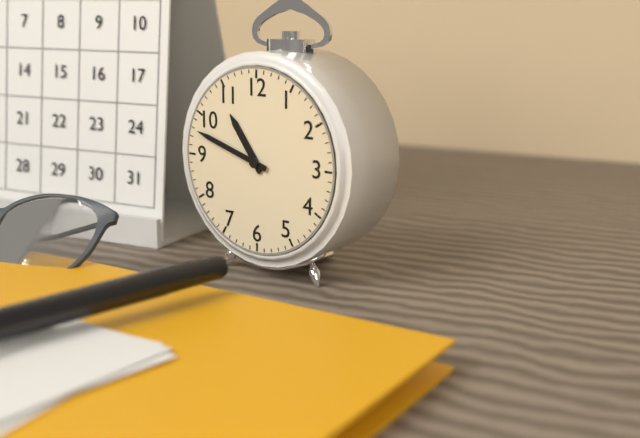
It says **10:48**
